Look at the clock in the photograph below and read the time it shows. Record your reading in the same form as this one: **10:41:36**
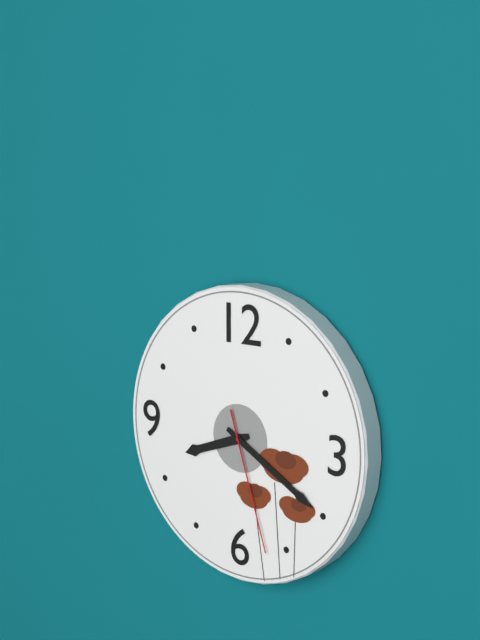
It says **8:20:27**
